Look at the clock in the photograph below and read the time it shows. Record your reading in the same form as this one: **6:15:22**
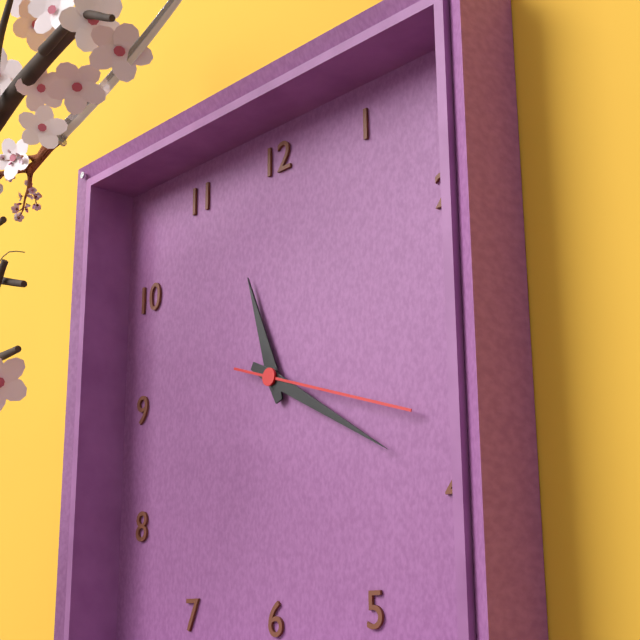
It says **11:20:18**
